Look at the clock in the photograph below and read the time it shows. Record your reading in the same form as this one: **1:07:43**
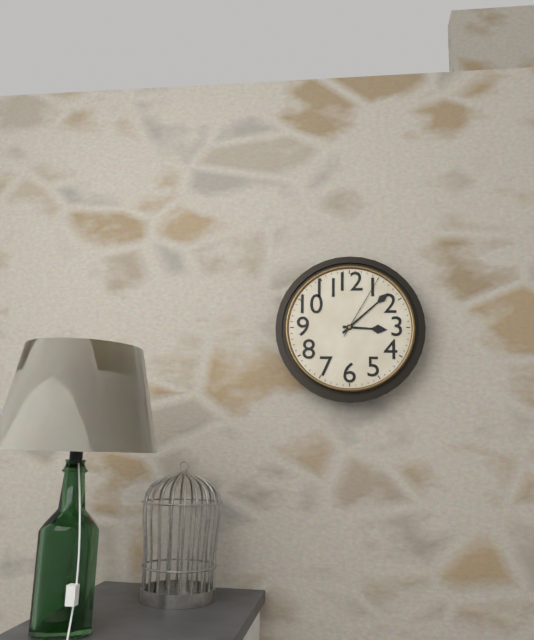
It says **3:08:05**
